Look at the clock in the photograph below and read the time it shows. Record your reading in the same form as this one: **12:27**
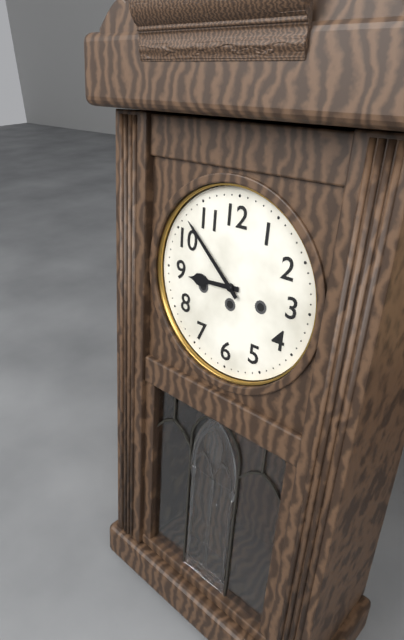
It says **8:52**
